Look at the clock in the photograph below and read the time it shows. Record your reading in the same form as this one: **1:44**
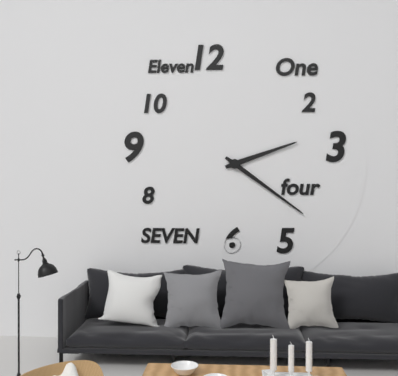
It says **2:21**
